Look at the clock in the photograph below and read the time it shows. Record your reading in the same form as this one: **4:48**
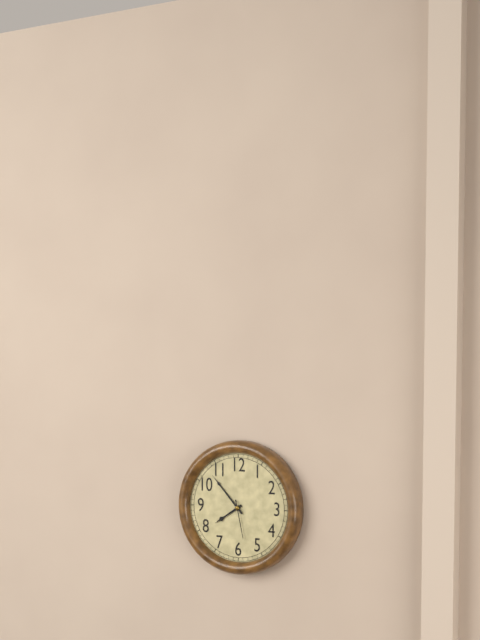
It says **7:53**
